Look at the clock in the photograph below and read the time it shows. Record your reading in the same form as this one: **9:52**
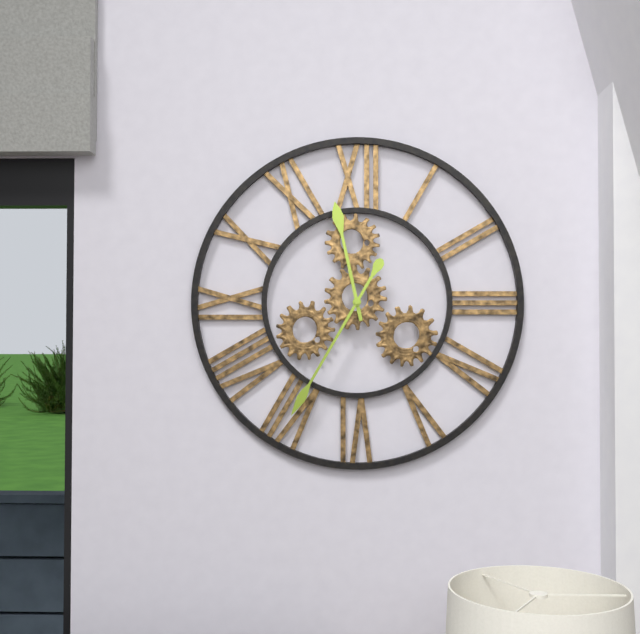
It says **11:35**
